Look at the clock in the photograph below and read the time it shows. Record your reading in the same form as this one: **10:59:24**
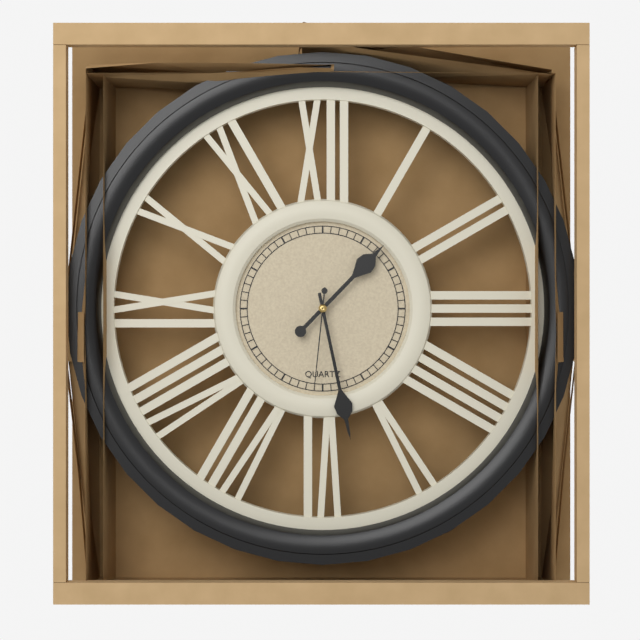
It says **1:28:31**
